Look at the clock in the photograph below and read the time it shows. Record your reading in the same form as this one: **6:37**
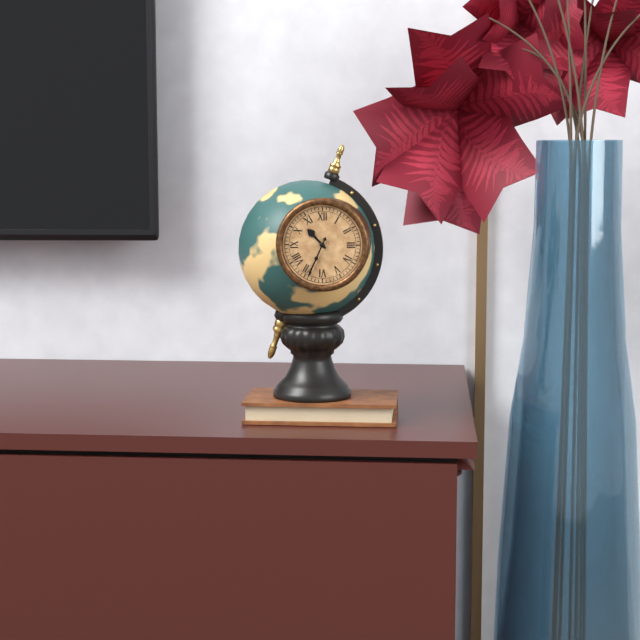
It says **10:34**
